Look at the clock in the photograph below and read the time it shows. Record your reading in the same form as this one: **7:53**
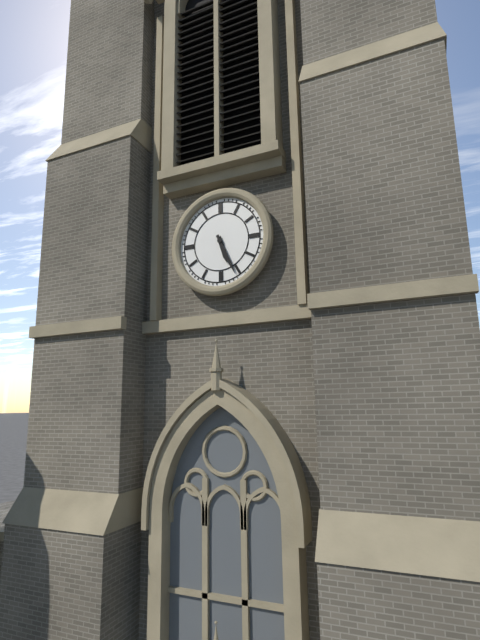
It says **5:26**
